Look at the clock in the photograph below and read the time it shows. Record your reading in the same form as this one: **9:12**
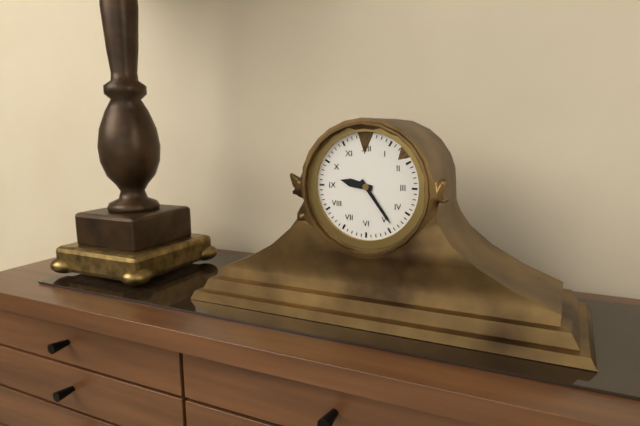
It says **9:24**
